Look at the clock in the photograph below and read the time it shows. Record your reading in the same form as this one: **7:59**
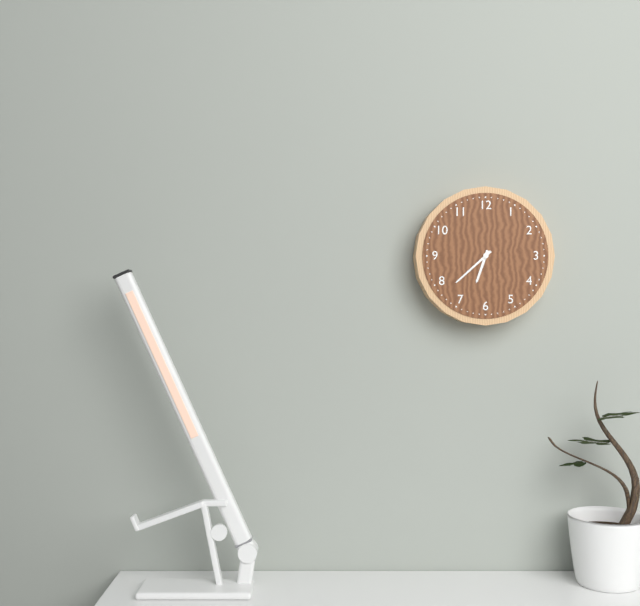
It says **6:38**
